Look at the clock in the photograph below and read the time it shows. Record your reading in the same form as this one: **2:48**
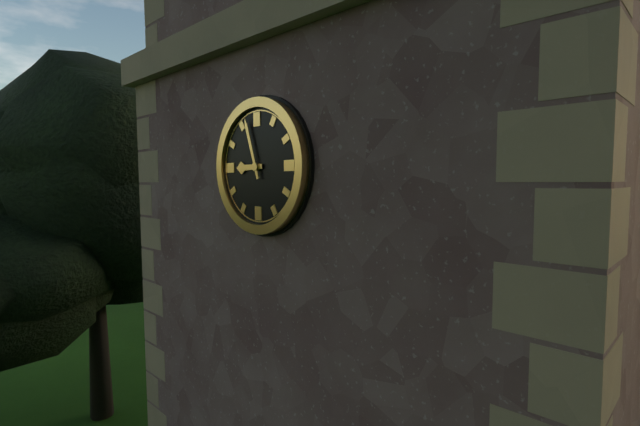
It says **8:57**
